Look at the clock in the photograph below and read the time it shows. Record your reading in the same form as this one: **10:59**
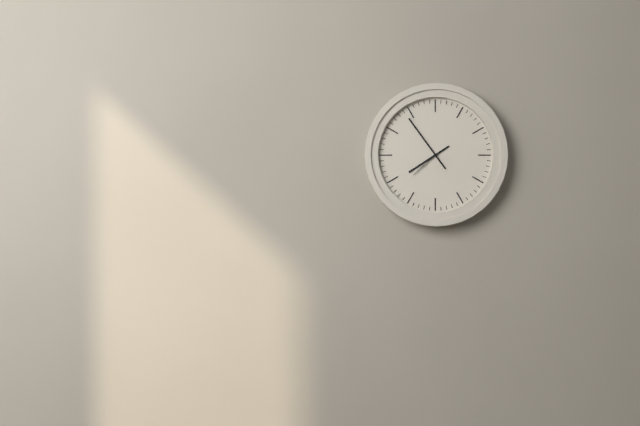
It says **7:54**
